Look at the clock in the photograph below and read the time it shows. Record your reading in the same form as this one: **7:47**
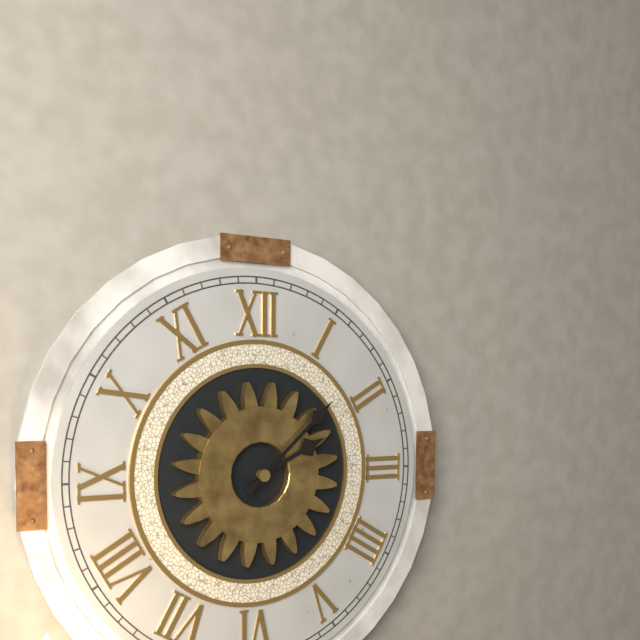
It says **2:08**
